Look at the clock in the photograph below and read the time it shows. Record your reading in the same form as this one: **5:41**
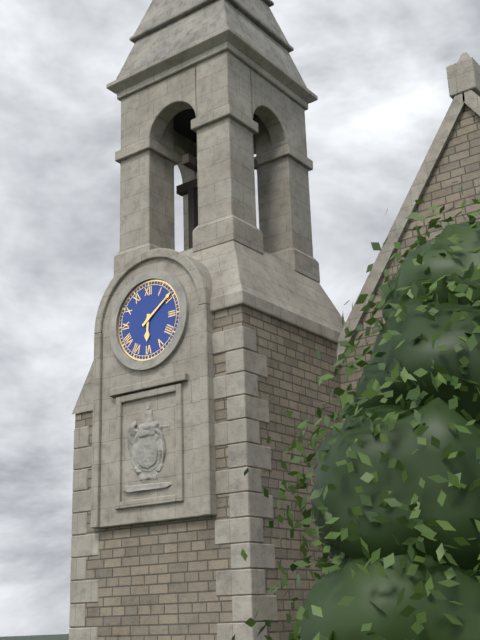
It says **6:09**
